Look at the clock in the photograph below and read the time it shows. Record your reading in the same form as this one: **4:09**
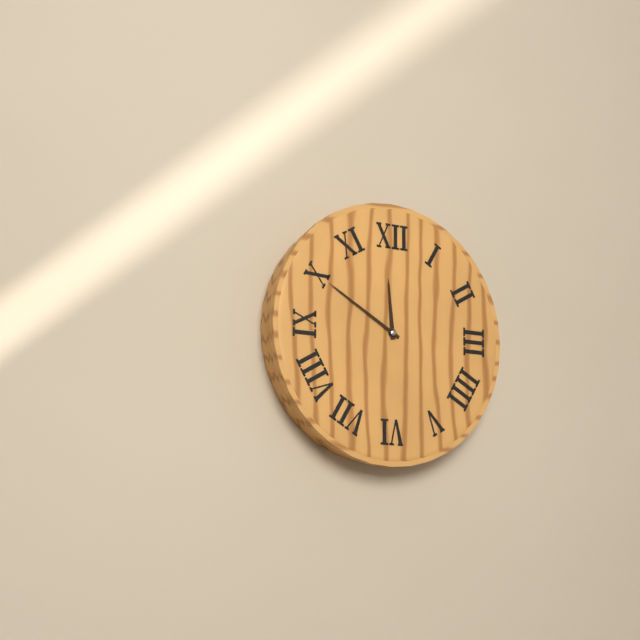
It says **11:50**
